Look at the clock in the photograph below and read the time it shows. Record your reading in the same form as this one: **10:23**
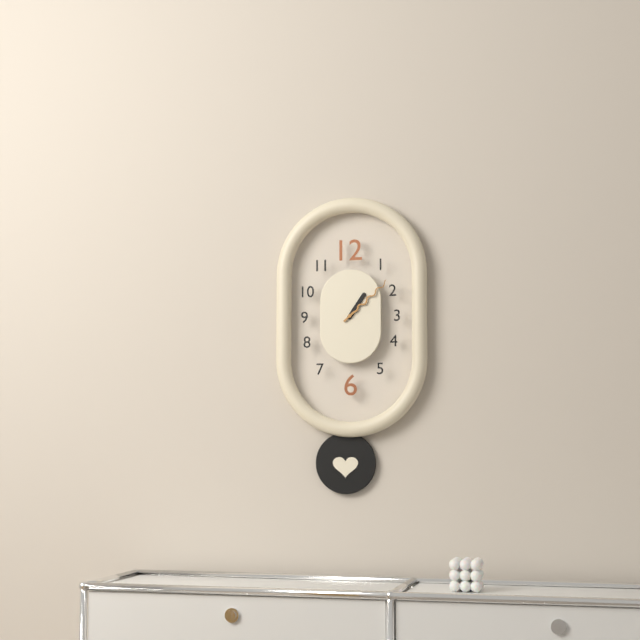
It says **1:08**
